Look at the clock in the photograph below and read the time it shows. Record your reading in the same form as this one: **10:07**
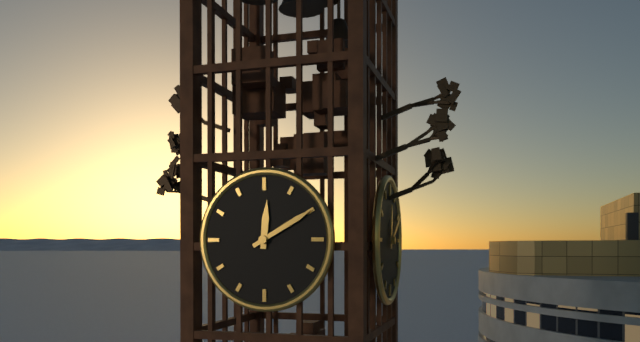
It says **12:10**
